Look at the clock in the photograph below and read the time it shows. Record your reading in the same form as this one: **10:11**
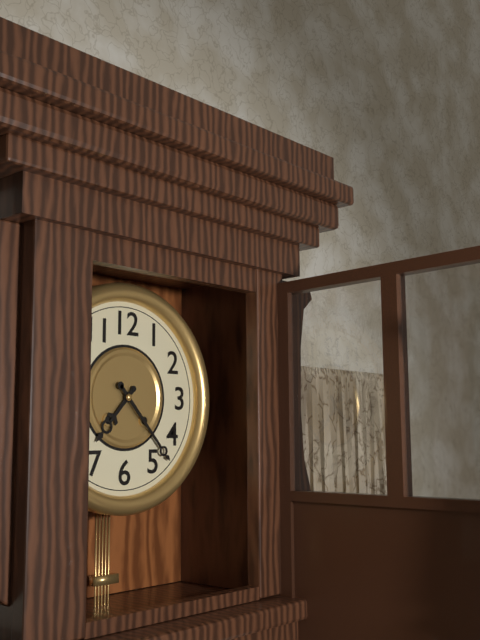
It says **7:23**
